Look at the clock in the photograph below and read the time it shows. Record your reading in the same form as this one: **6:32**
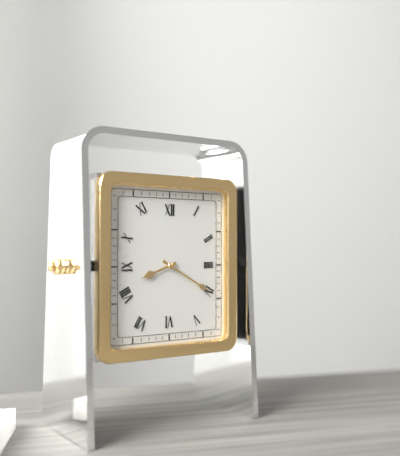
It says **8:20**
